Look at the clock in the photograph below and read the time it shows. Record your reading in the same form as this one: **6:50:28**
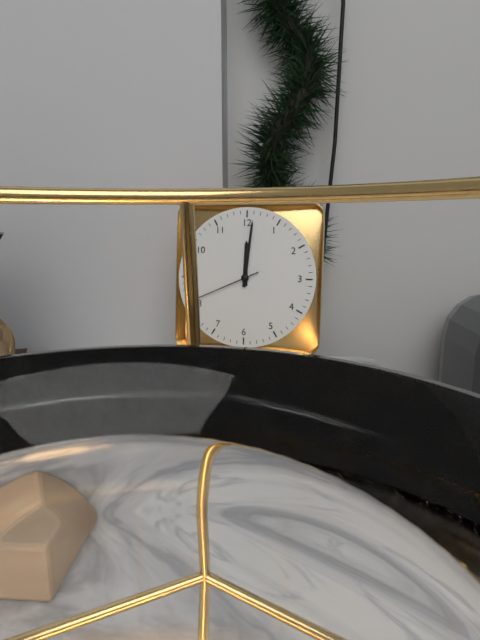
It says **12:01:41**
